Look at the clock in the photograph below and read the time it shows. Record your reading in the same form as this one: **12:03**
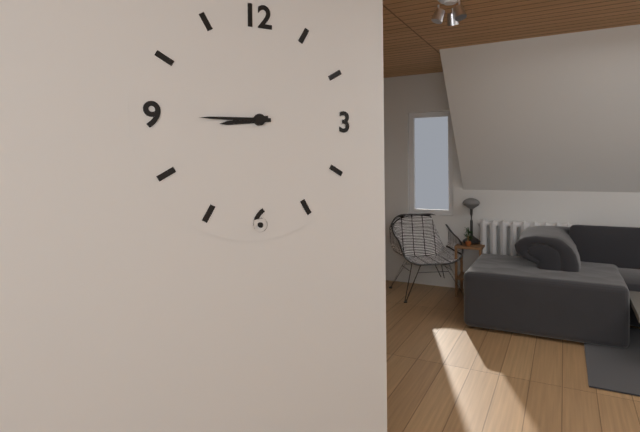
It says **8:45**
